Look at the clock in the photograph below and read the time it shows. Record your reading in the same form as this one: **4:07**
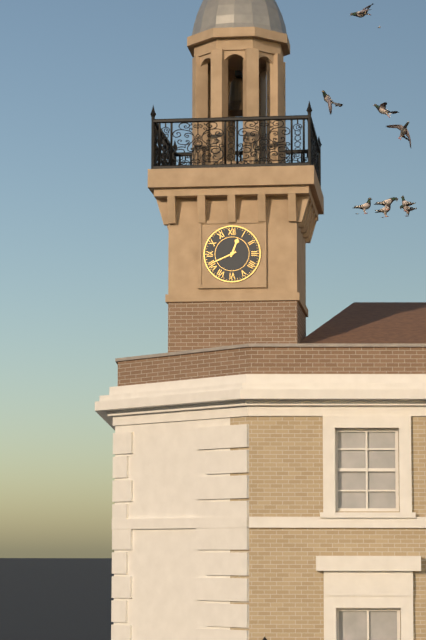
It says **12:41**
